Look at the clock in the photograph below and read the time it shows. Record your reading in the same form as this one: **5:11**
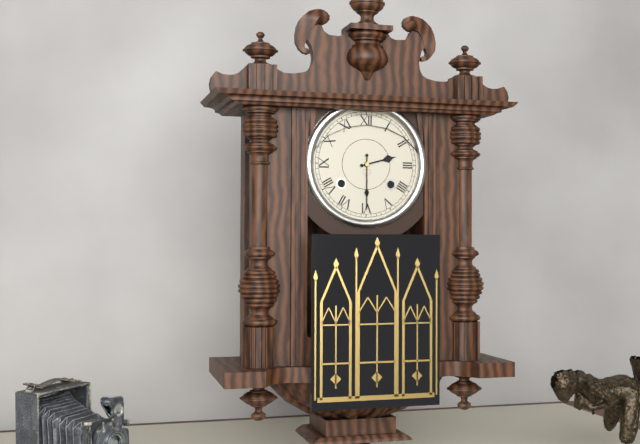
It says **2:30**
